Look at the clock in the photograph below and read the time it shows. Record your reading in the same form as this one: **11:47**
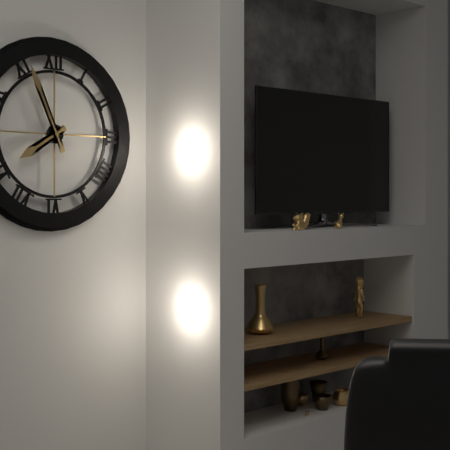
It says **7:56**
